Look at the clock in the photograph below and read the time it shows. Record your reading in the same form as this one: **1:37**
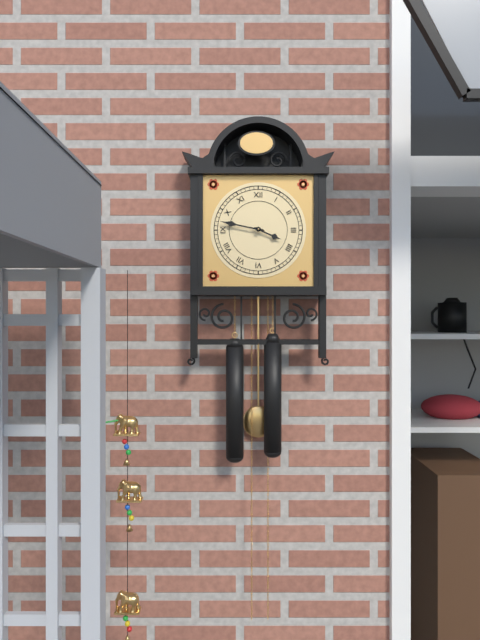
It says **3:47**
